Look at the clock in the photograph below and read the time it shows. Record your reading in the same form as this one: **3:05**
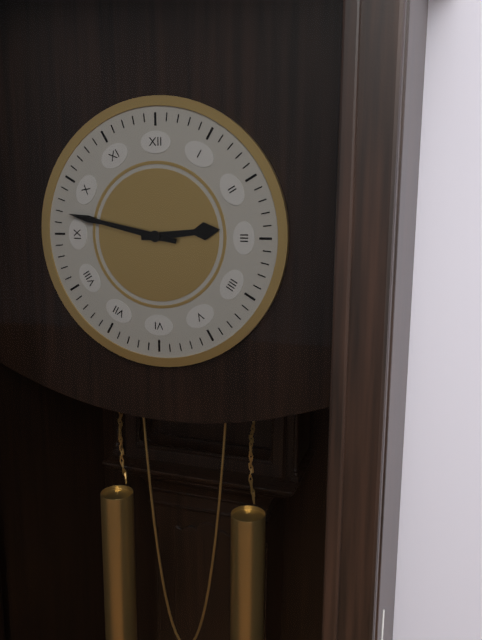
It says **2:47**
